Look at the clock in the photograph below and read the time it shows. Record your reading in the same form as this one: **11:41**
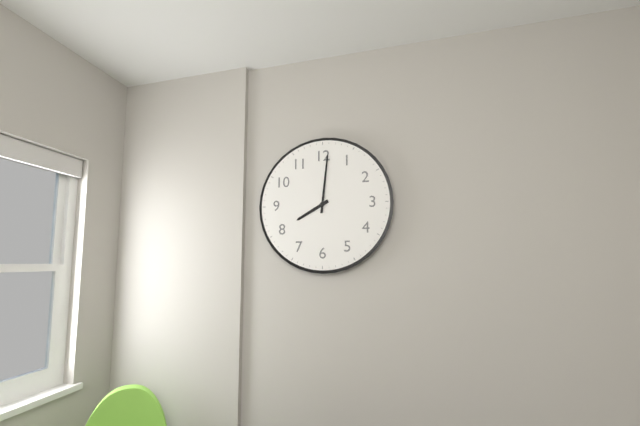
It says **8:01**
